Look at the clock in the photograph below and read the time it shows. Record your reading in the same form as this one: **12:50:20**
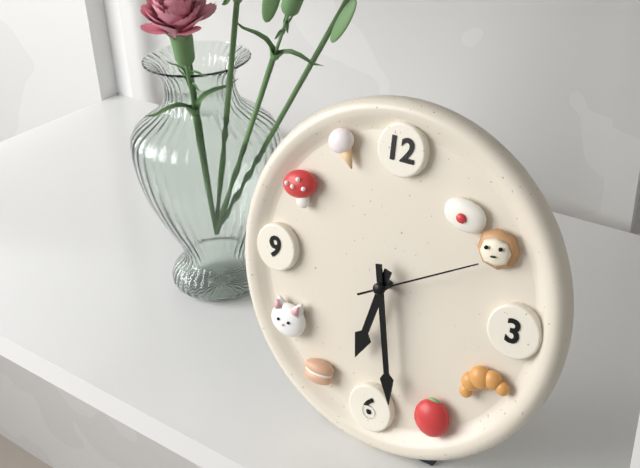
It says **6:28:10**
